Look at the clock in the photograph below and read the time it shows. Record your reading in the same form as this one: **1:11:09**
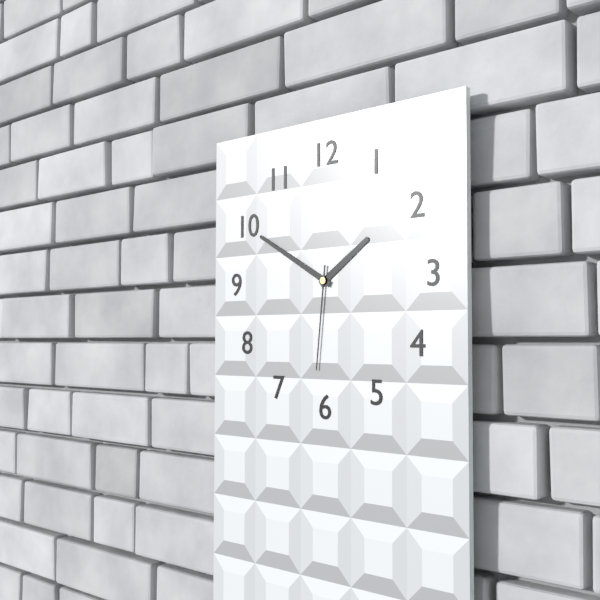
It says **1:50:31**
